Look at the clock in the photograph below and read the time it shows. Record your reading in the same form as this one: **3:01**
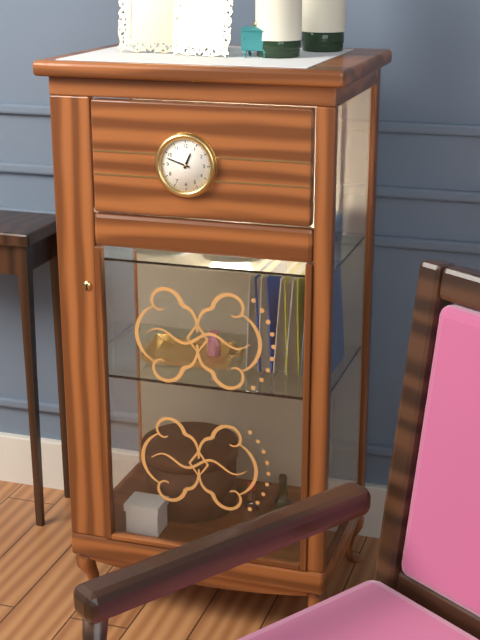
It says **12:48**
